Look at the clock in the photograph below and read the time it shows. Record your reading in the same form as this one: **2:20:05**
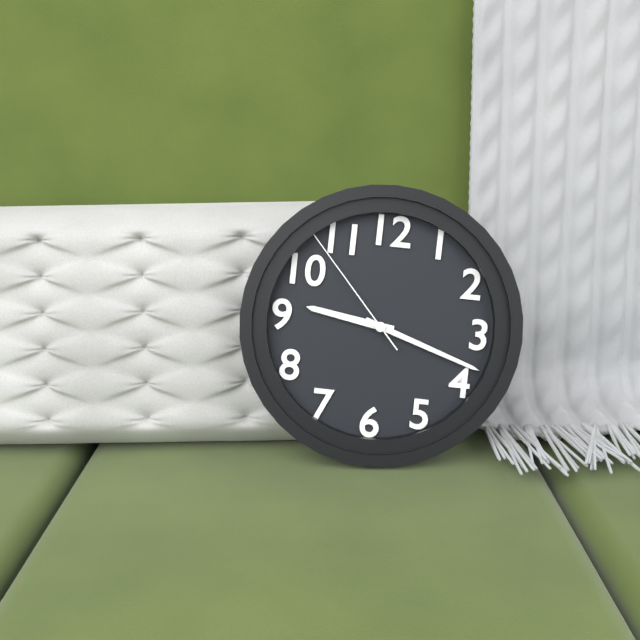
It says **9:18:53**
